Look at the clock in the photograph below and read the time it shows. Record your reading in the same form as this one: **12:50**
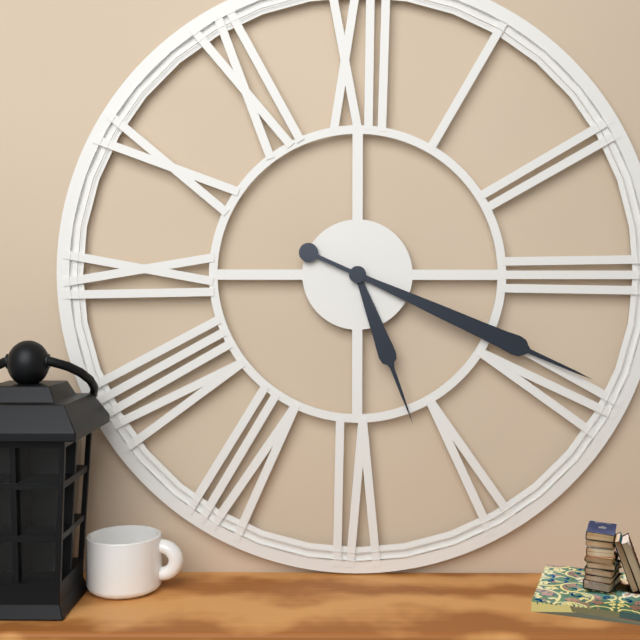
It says **5:19**
